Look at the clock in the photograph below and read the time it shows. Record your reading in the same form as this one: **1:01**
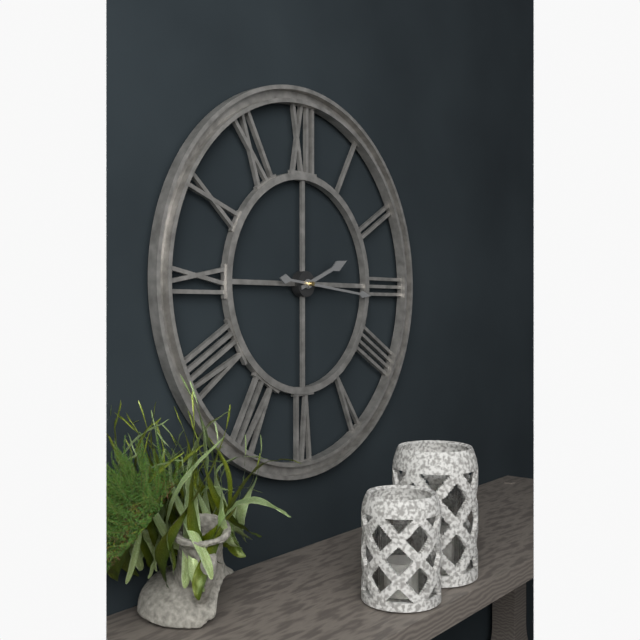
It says **2:16**
